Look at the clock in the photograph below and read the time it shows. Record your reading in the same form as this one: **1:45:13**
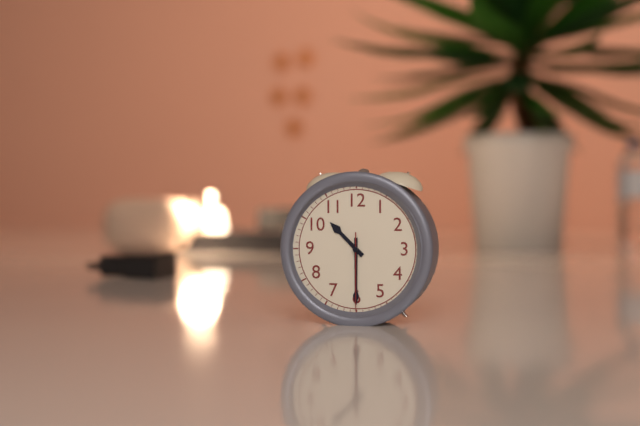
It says **10:30:30**
